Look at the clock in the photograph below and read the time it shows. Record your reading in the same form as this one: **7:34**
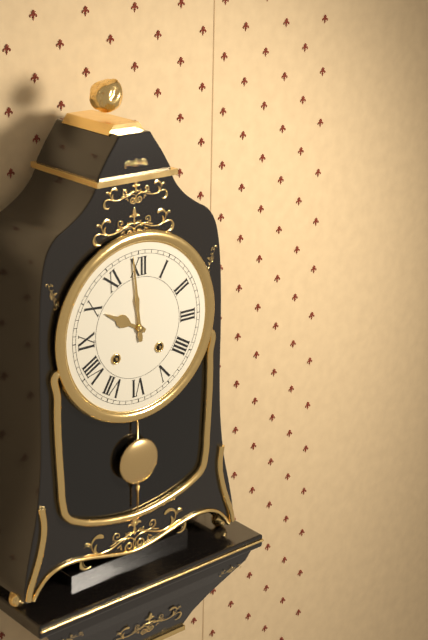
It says **9:59**
